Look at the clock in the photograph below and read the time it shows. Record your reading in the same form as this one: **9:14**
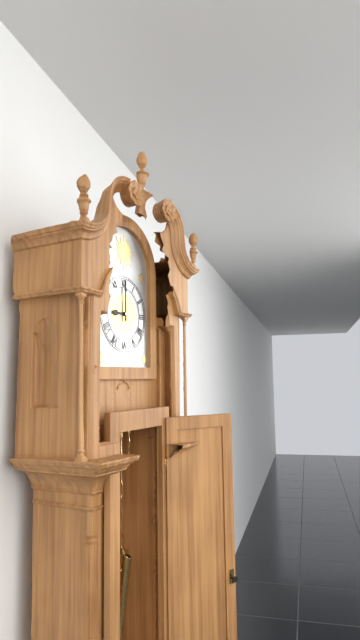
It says **9:00**
